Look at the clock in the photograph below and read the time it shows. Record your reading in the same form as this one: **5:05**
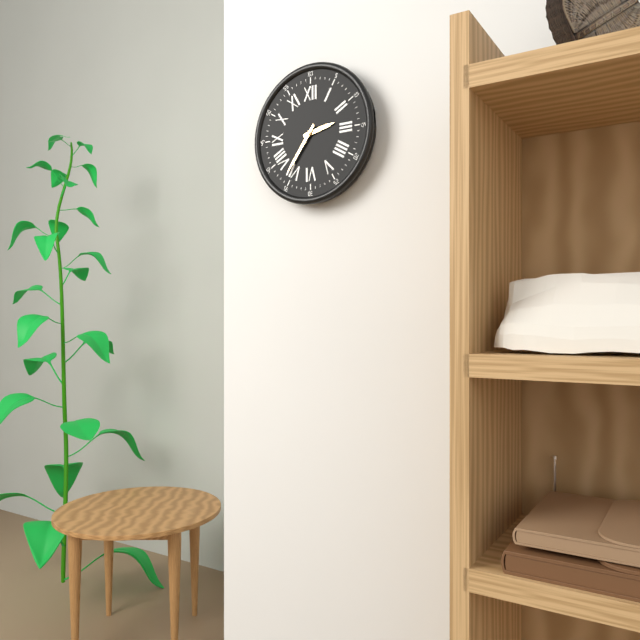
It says **2:36**
